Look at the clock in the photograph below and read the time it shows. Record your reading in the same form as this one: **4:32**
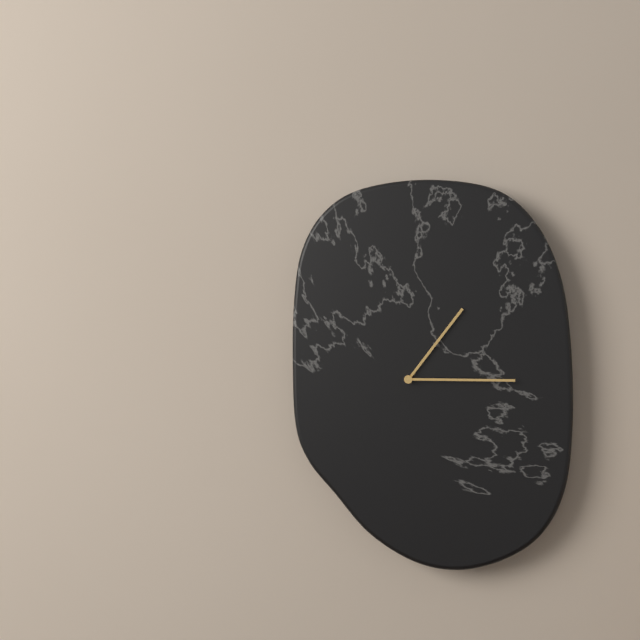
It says **1:15**
